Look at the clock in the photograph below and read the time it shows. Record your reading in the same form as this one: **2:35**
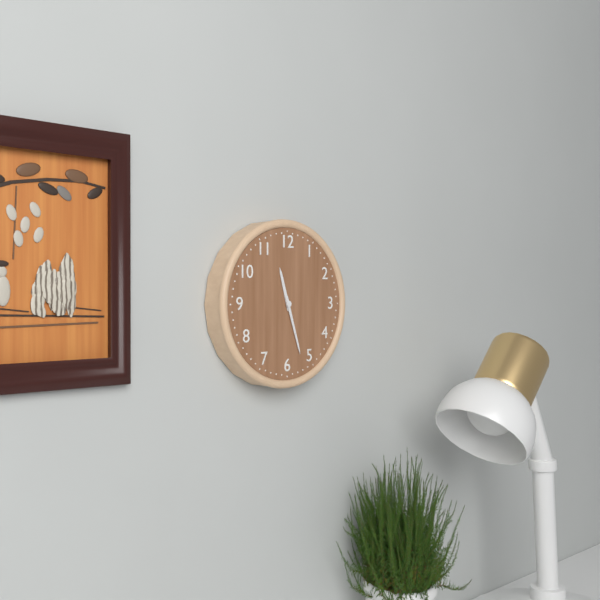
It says **11:27**
